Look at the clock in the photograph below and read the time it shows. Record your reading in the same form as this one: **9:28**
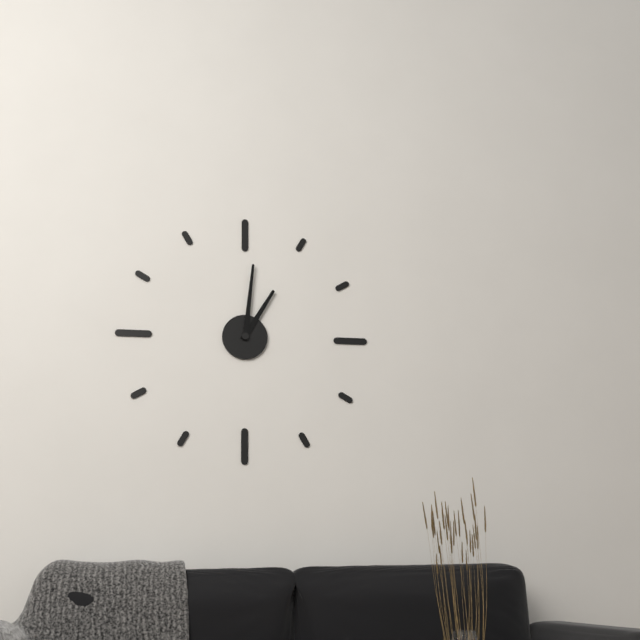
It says **1:01**
